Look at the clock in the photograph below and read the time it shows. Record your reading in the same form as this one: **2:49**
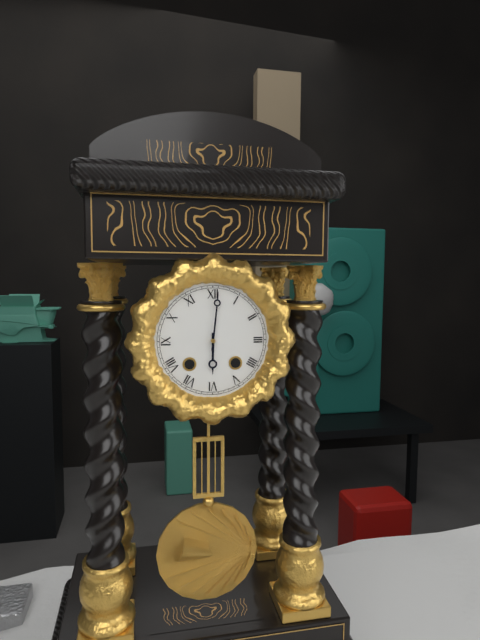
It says **6:01**
